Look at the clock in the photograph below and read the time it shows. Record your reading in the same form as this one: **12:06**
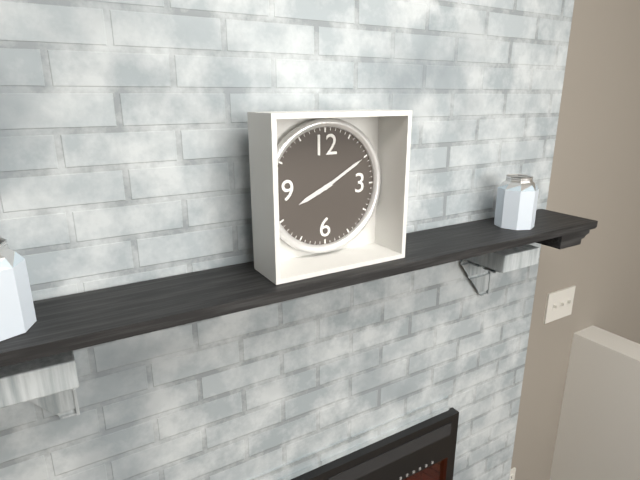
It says **8:10**
